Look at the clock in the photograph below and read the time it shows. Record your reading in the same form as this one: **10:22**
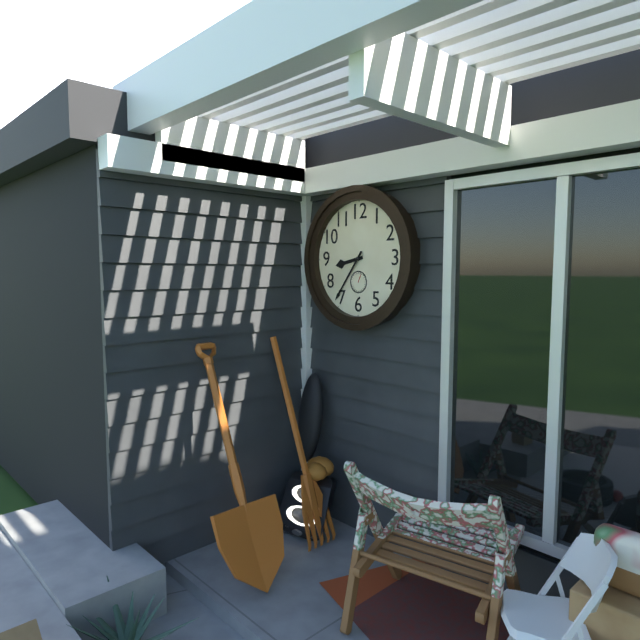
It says **8:36**
